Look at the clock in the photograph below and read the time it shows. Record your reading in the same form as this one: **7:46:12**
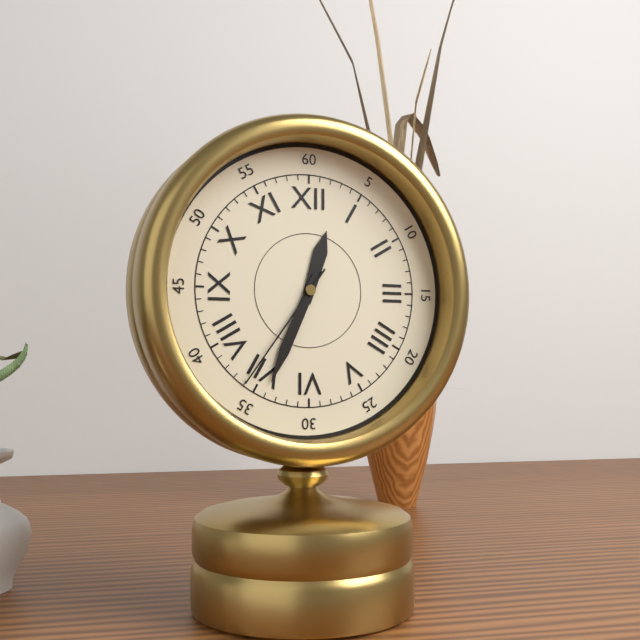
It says **12:34:36**
